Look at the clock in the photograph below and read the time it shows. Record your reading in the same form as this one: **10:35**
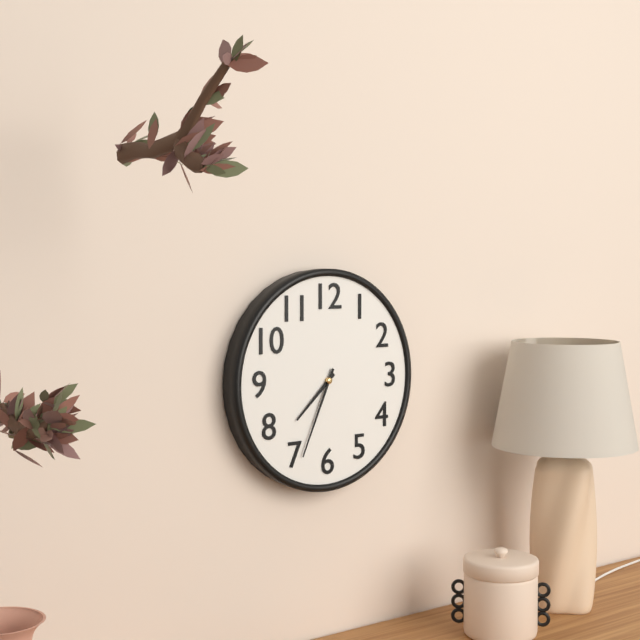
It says **7:34**
